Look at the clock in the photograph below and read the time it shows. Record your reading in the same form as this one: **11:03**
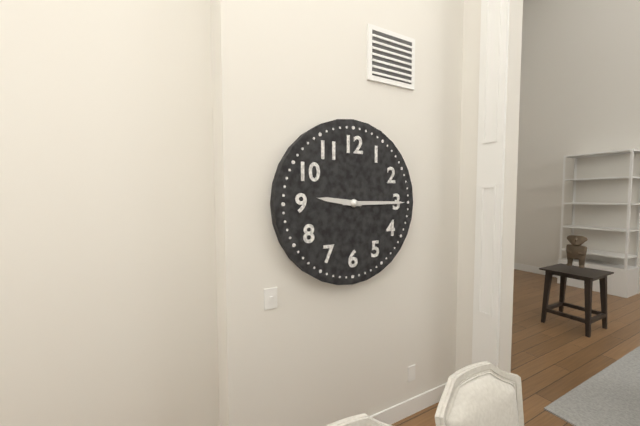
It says **9:15**
